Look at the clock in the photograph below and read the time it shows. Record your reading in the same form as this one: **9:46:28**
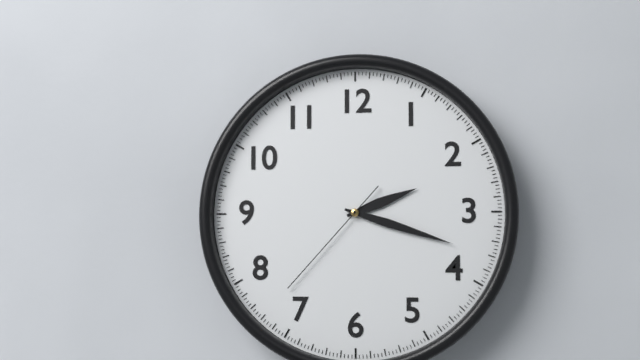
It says **2:18:37**
